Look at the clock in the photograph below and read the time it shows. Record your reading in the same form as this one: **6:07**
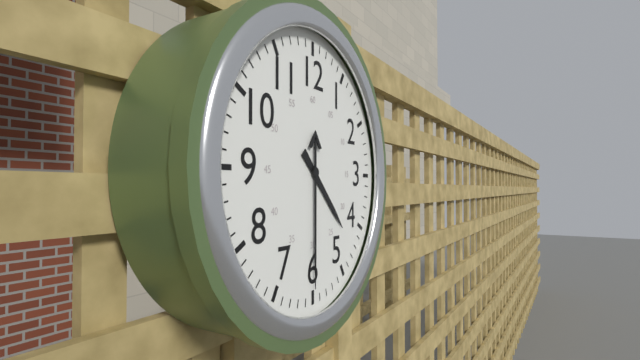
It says **4:30**
